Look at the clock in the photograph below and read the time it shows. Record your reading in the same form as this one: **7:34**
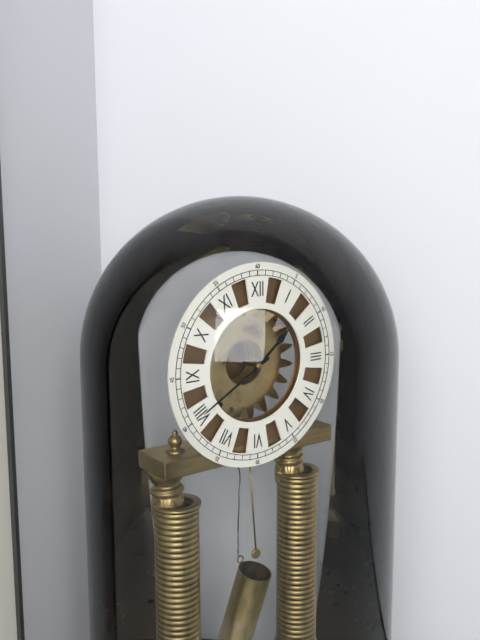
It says **1:40**
